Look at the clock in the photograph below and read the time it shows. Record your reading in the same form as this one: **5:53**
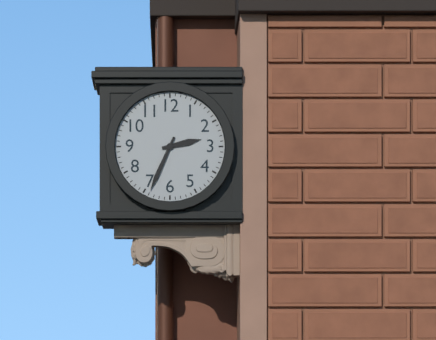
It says **2:34**
